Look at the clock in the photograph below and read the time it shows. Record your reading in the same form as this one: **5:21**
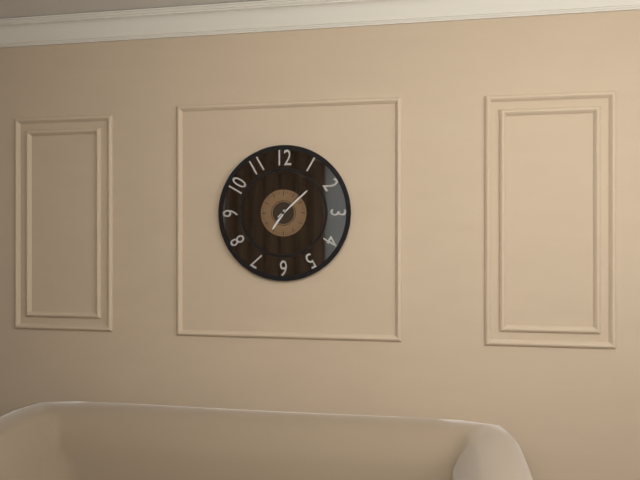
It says **7:08**
